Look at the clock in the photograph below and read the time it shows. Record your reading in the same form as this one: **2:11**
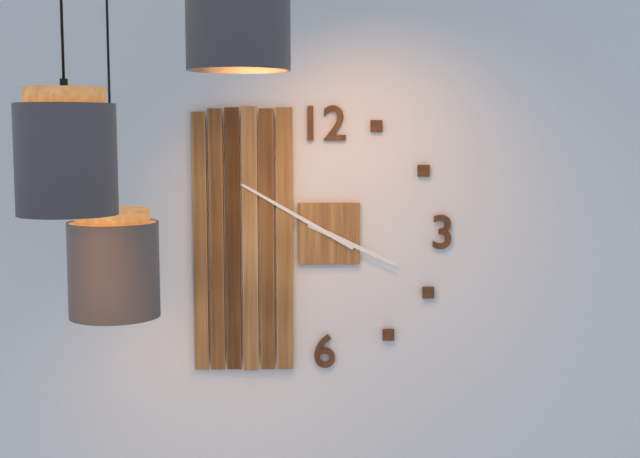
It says **3:50**
